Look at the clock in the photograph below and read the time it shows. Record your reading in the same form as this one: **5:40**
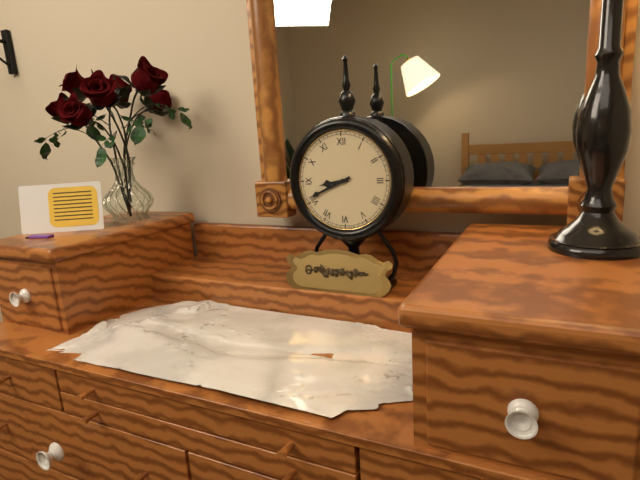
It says **8:41**
